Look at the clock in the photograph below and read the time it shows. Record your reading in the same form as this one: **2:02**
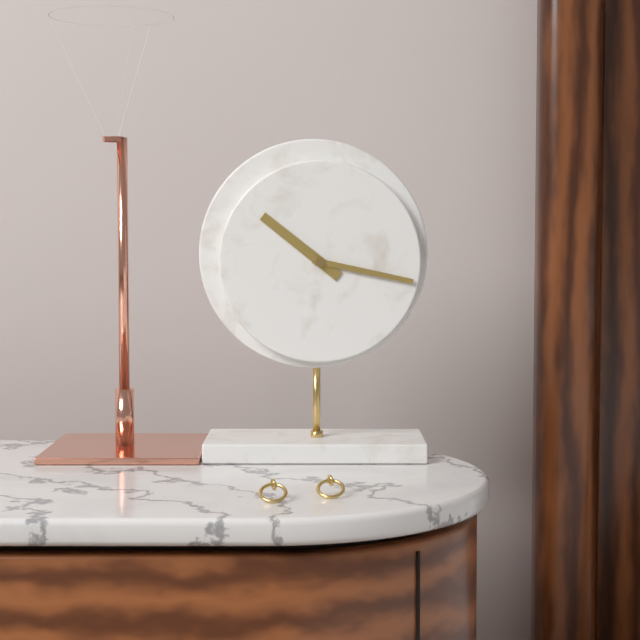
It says **10:17**
